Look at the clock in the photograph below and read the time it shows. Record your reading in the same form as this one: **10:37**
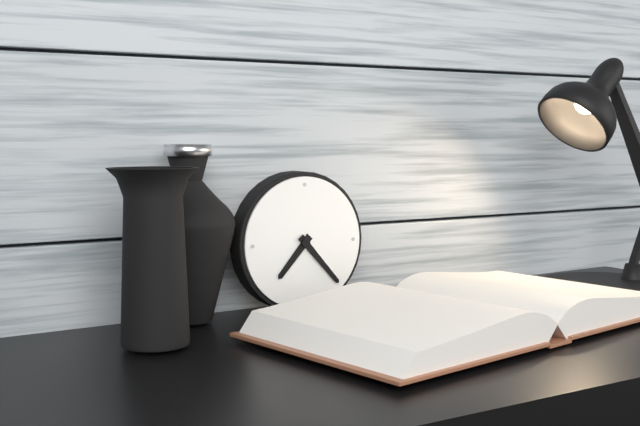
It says **7:23**
